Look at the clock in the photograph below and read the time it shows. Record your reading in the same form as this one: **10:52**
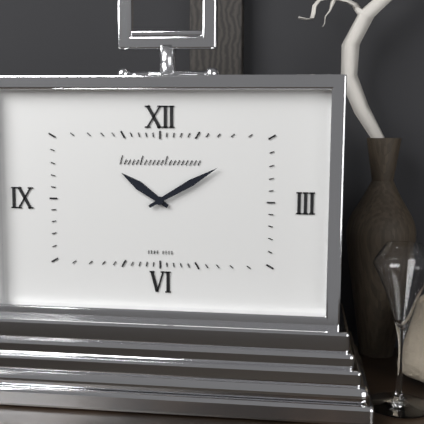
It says **10:10**
